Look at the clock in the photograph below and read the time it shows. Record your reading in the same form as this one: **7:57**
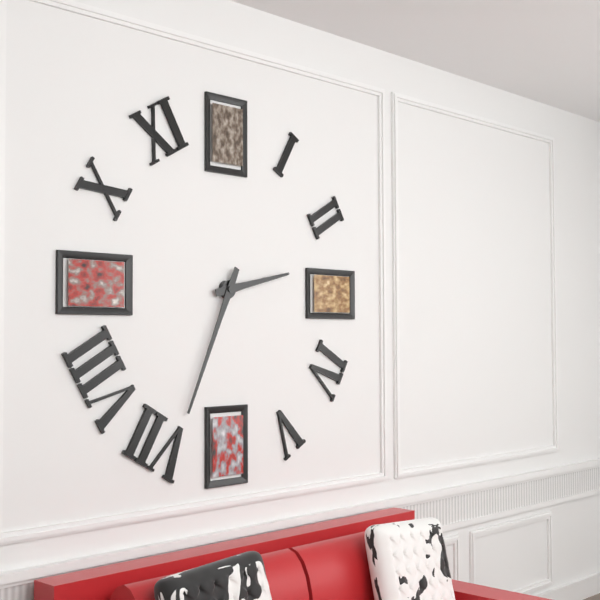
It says **2:34**
